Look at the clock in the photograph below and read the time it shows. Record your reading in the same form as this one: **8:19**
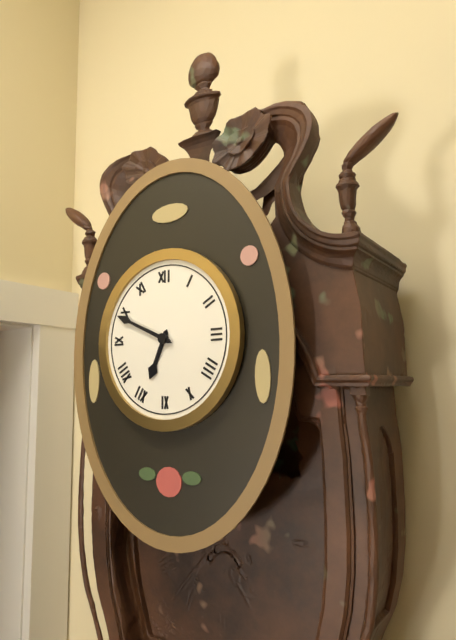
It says **6:49**
